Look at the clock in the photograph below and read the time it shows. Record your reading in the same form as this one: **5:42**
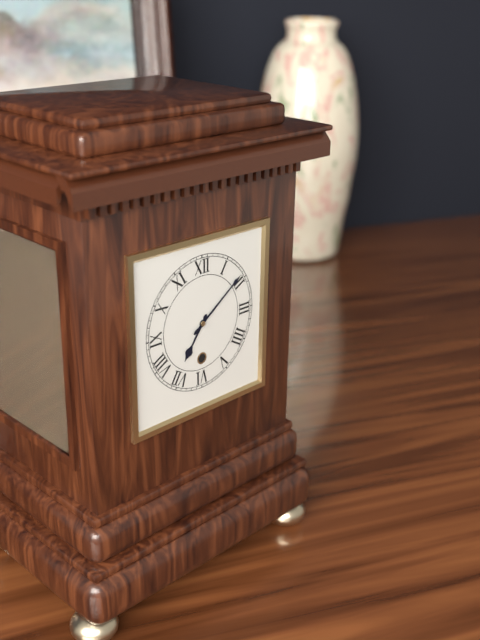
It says **7:09**
